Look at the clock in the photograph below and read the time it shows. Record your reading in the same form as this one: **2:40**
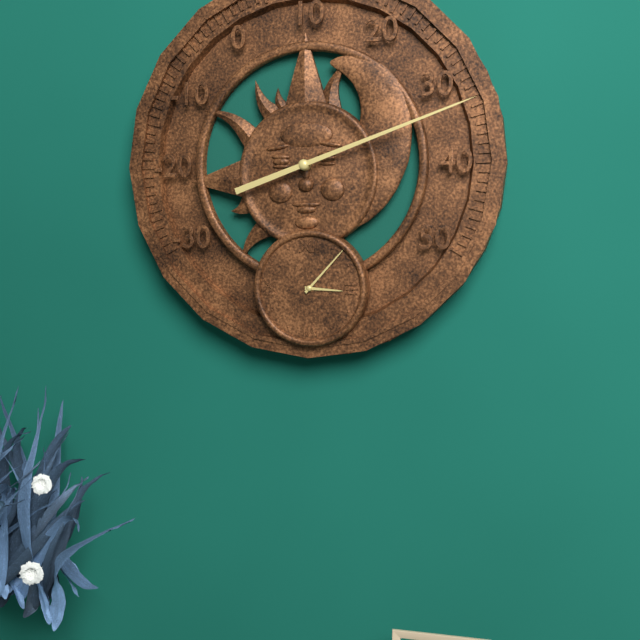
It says **3:07**
